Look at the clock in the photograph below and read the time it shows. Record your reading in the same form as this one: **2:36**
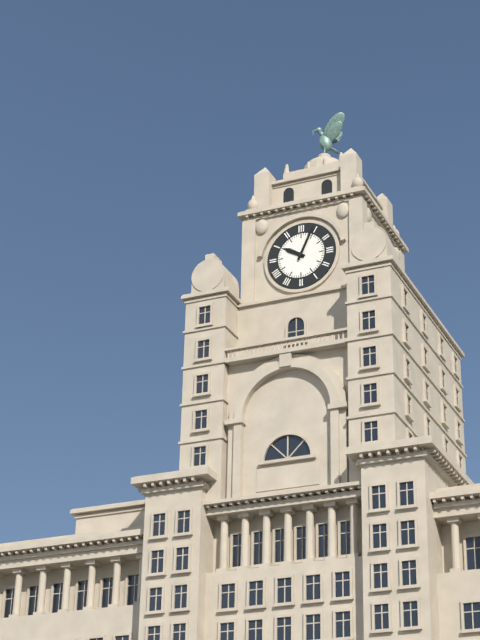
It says **10:04**
